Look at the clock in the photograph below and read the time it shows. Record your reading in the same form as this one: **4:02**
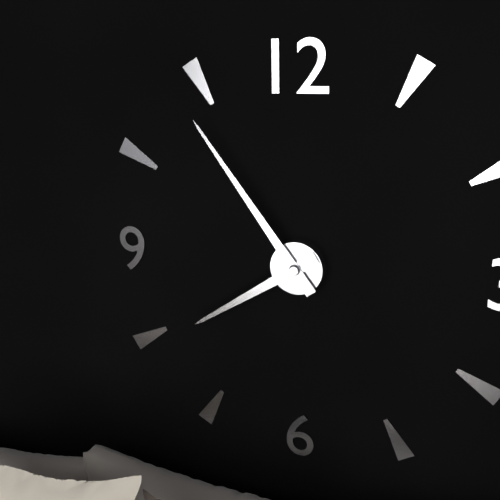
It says **7:54**
